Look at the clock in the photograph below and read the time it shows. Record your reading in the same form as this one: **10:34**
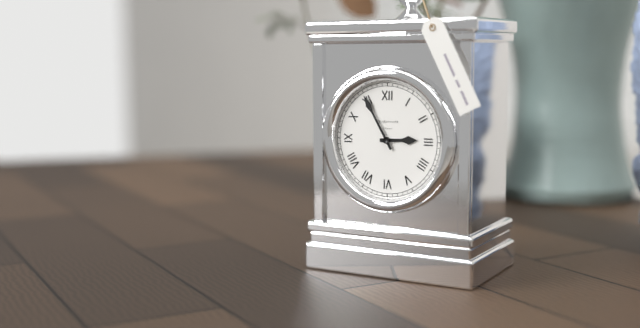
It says **2:55**
